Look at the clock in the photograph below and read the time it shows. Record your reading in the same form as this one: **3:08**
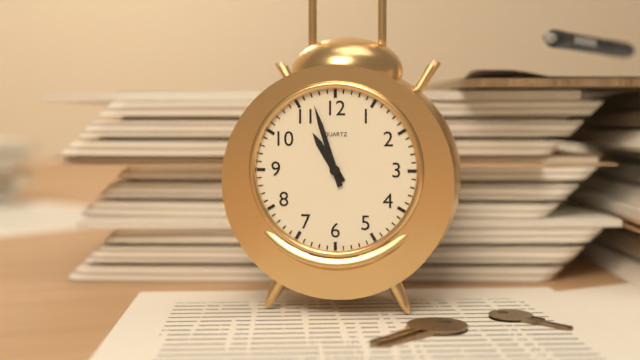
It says **10:57**
